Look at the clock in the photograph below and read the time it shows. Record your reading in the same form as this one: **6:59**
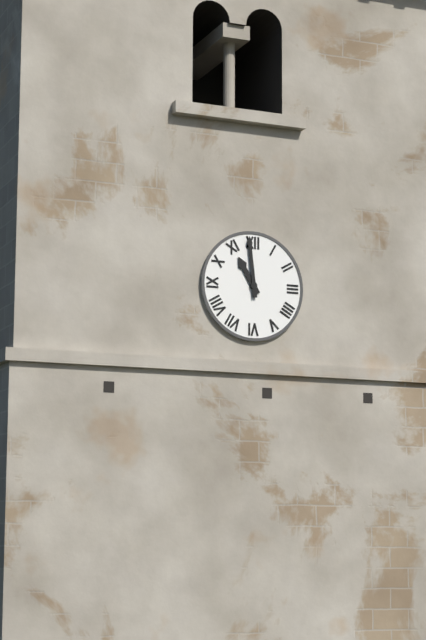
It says **10:59**
